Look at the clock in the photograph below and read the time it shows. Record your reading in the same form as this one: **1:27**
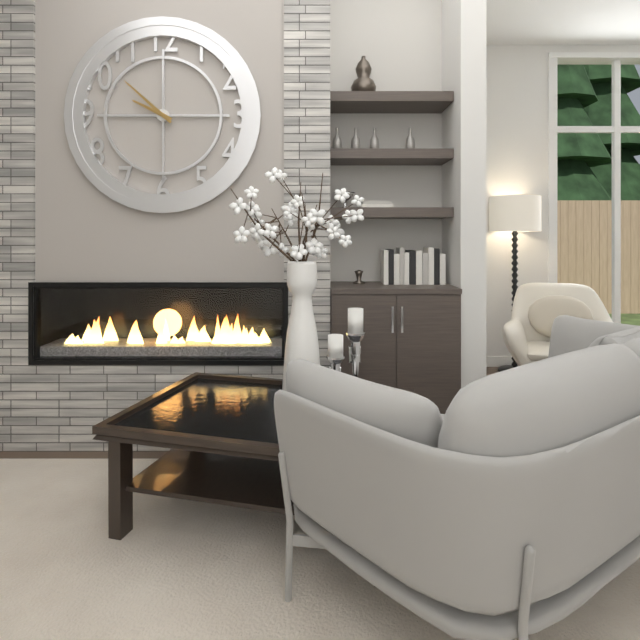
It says **9:52**
